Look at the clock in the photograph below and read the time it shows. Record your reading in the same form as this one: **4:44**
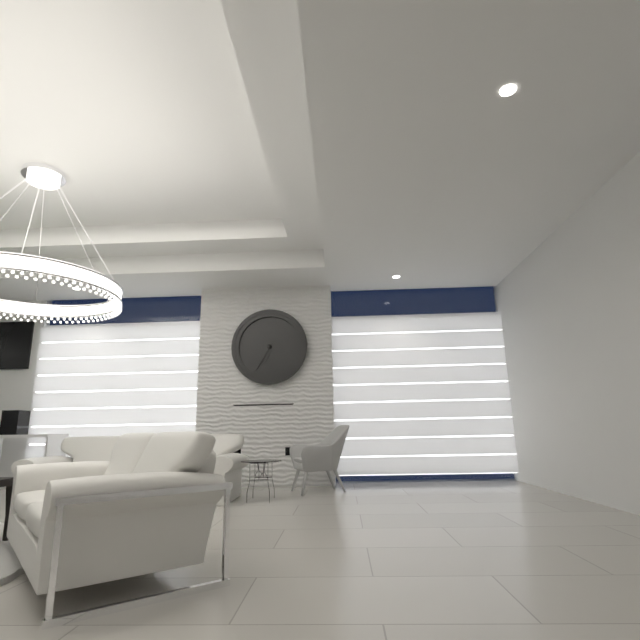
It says **6:35**
